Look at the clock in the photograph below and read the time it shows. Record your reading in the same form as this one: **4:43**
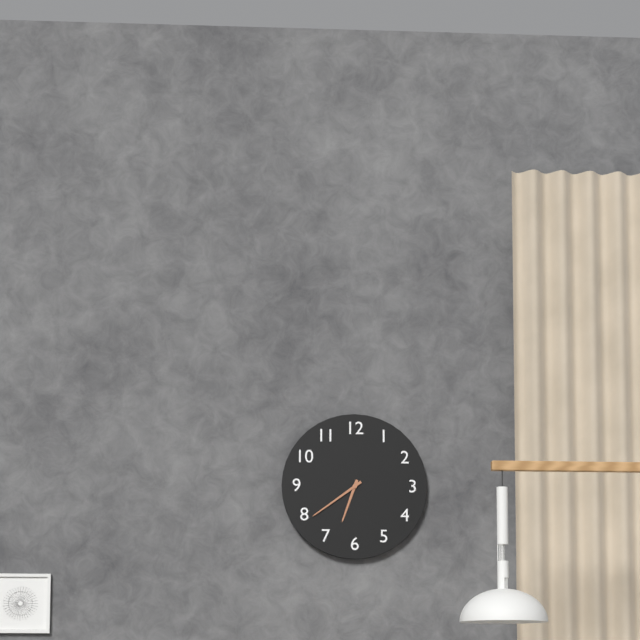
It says **6:39**
